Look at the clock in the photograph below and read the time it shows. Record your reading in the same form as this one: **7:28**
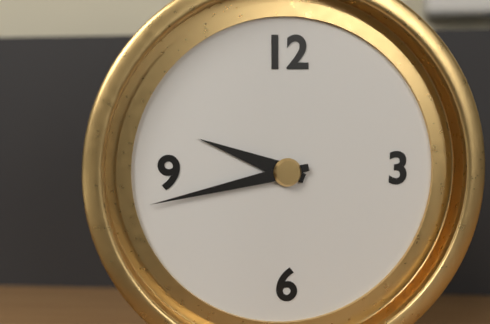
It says **9:43**
